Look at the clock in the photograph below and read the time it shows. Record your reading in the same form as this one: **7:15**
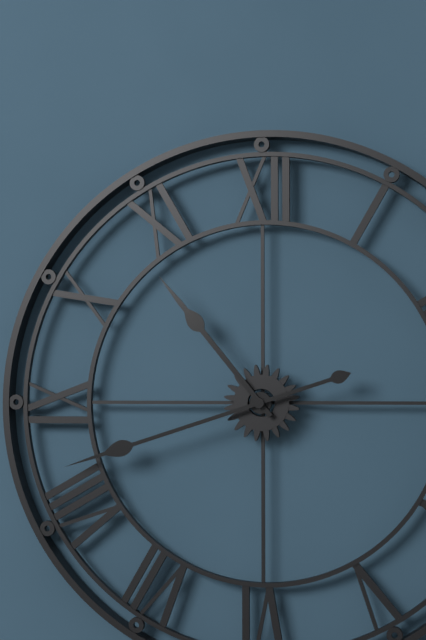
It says **10:42**
